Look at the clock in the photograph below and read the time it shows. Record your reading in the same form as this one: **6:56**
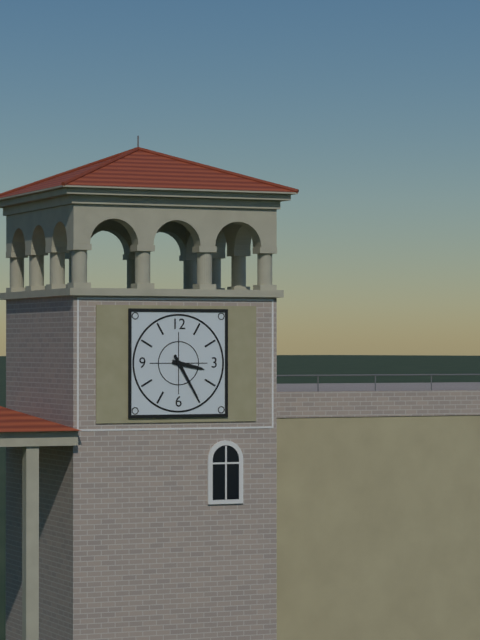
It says **3:25**
